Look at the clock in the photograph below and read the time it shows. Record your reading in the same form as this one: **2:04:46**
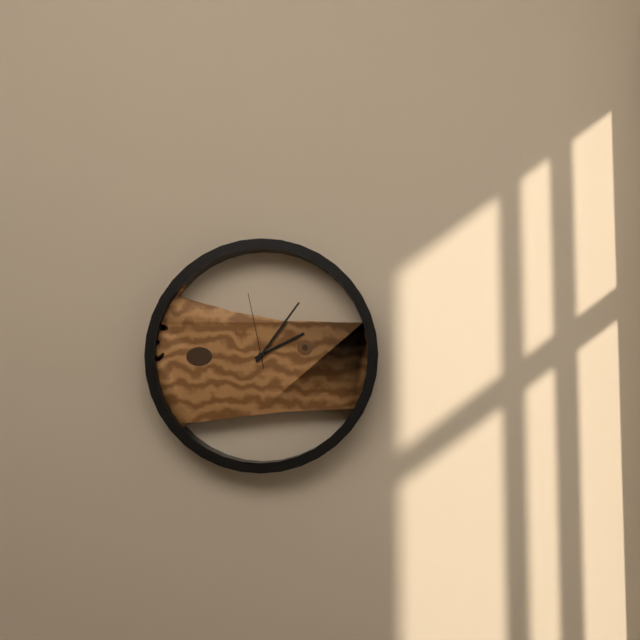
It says **2:06:58**
